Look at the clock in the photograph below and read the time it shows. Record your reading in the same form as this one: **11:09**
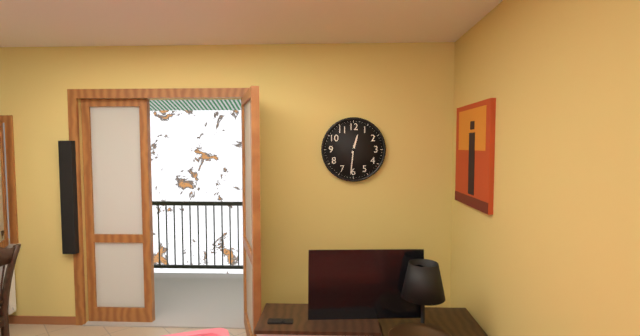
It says **12:31**
